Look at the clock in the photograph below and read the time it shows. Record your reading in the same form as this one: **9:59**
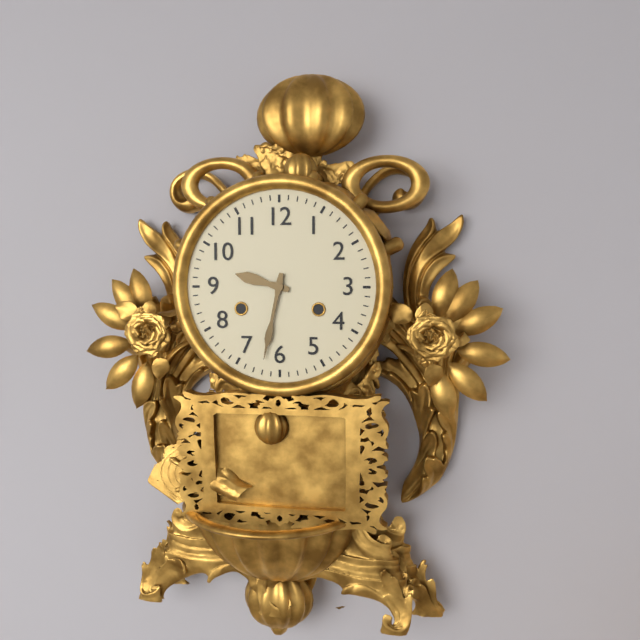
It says **9:32**
